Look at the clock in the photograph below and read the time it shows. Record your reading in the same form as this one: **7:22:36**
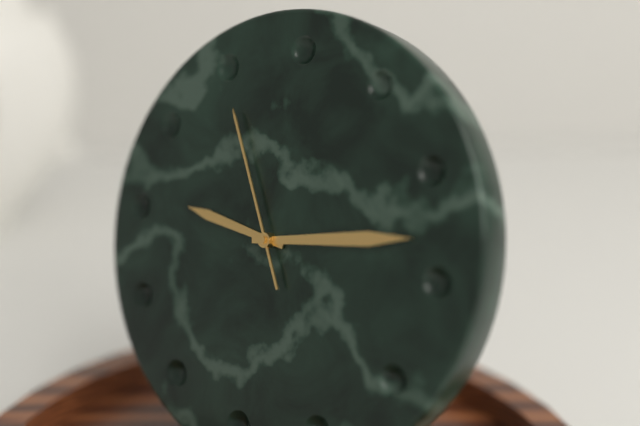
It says **9:13:55**
